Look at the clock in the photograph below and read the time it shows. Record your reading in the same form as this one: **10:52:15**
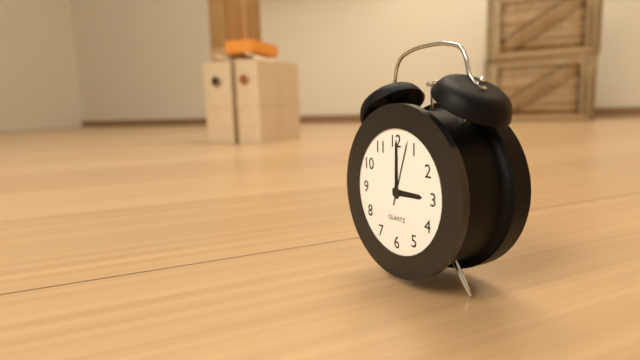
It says **3:00:03**
